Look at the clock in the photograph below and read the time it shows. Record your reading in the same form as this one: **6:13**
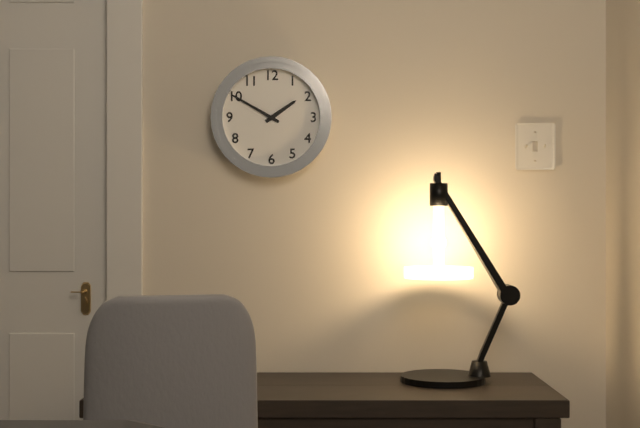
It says **1:50**
